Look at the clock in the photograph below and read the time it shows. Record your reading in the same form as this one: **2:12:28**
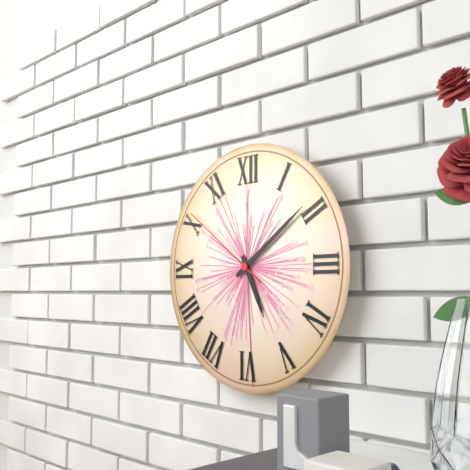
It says **5:09:51**
